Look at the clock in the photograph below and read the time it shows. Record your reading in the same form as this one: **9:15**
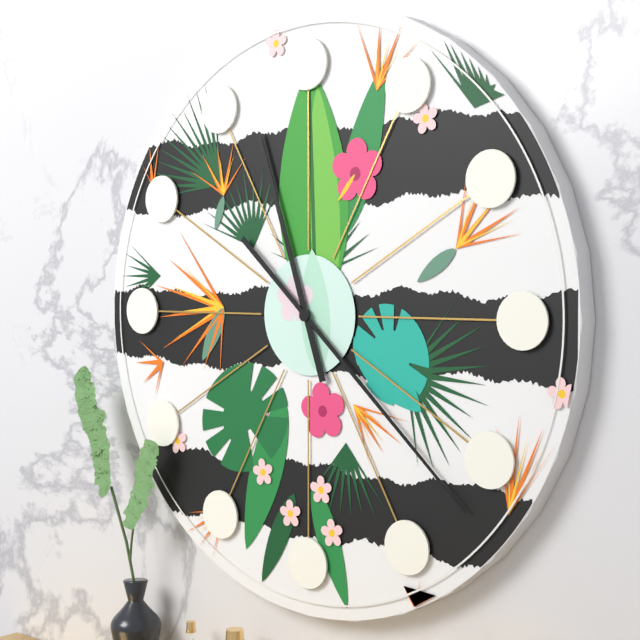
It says **11:22**
